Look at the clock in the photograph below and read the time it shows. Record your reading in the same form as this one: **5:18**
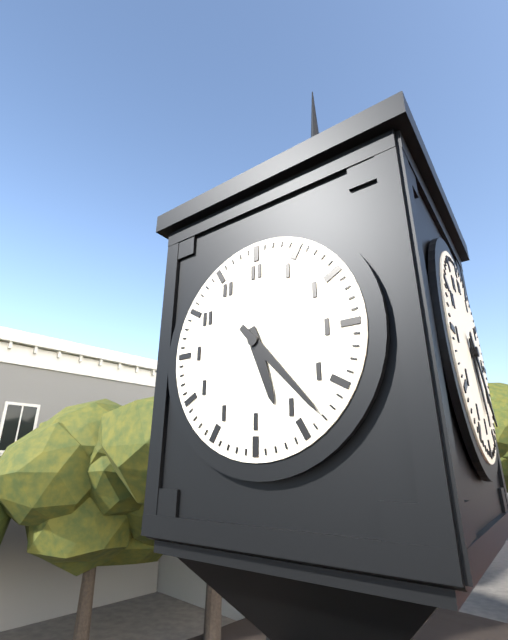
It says **5:23**
